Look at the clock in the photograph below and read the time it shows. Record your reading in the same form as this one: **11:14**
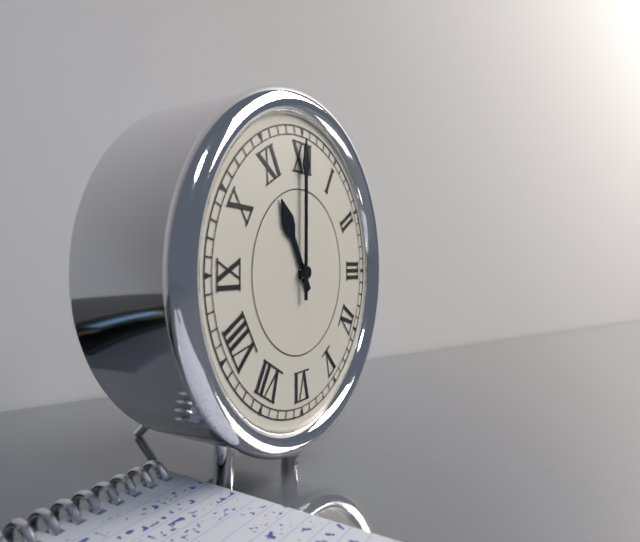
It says **11:00**
